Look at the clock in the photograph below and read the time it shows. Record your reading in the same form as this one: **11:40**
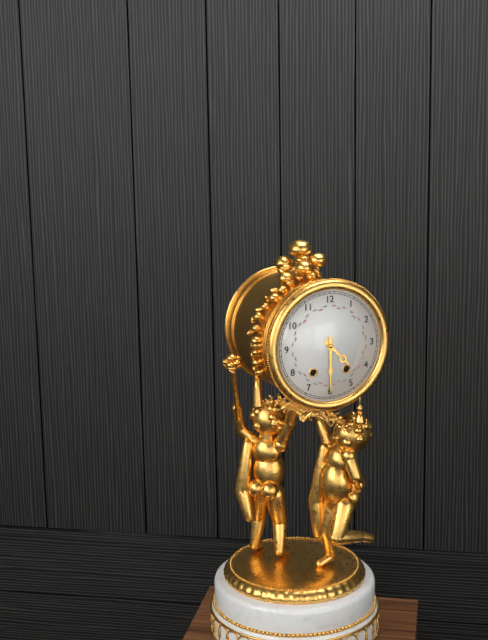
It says **4:30**
